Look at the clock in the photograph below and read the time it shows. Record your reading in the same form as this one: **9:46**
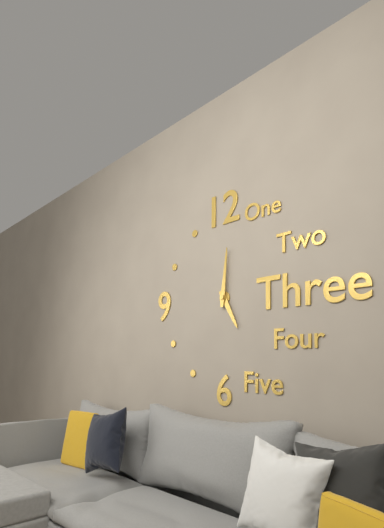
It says **5:01**
